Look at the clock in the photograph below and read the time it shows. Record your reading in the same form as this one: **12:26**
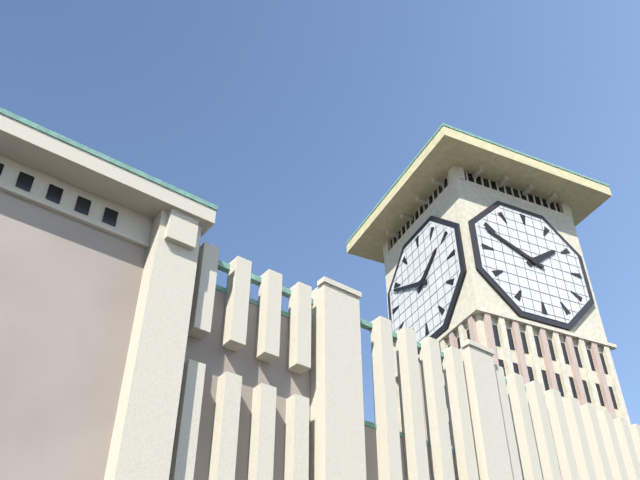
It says **1:49**
